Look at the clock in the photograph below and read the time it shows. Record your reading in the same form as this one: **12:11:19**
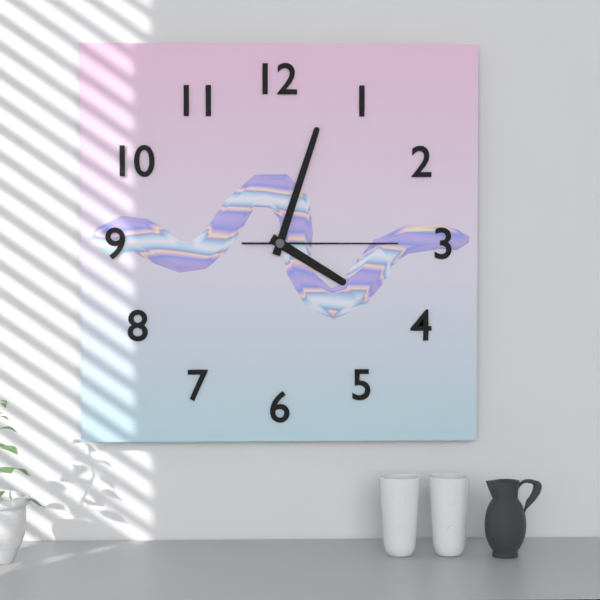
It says **4:03:15**
